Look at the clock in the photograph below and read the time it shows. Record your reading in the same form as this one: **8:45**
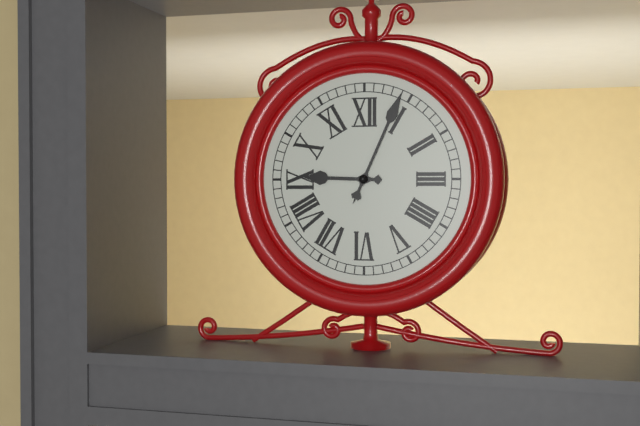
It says **9:04**
